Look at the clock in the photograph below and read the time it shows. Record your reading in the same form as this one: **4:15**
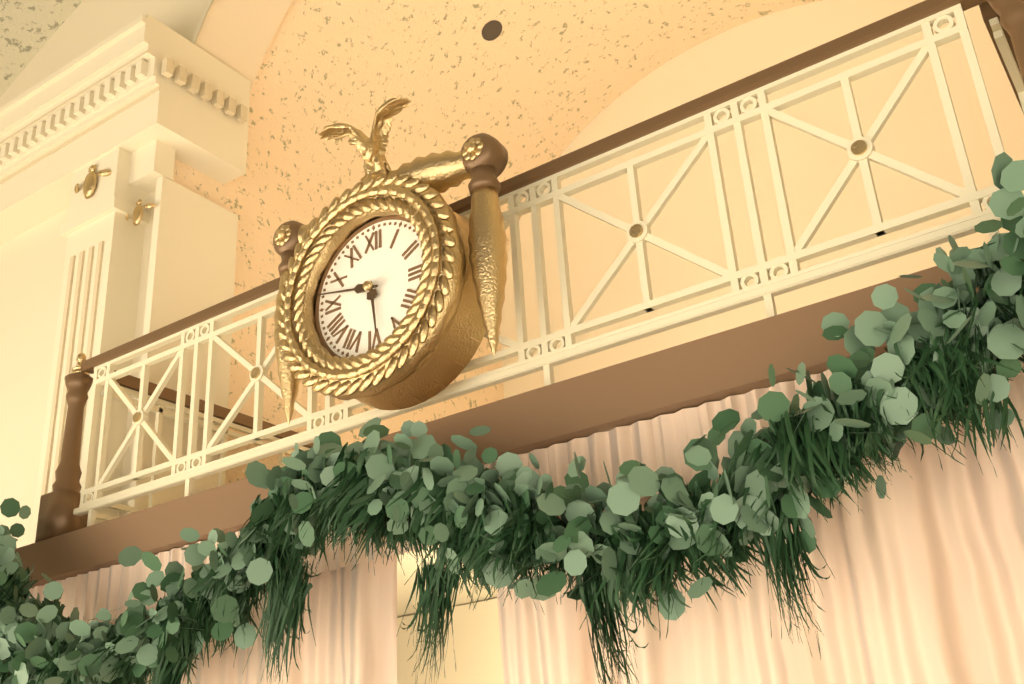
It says **5:47**
